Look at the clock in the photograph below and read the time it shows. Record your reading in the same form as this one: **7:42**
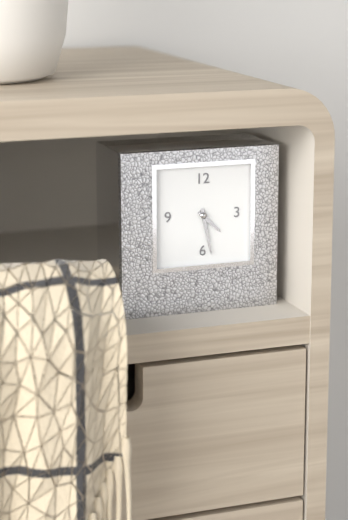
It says **4:28**
